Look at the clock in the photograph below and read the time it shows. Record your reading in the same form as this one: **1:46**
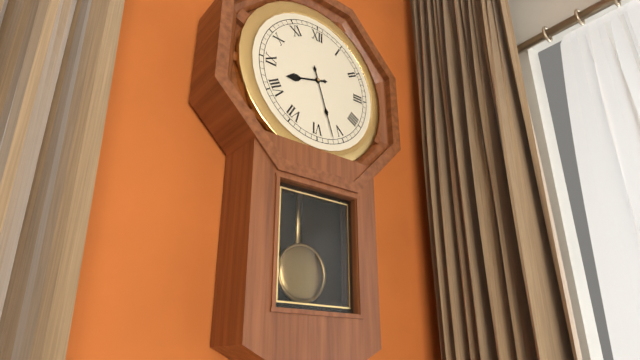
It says **8:27**
